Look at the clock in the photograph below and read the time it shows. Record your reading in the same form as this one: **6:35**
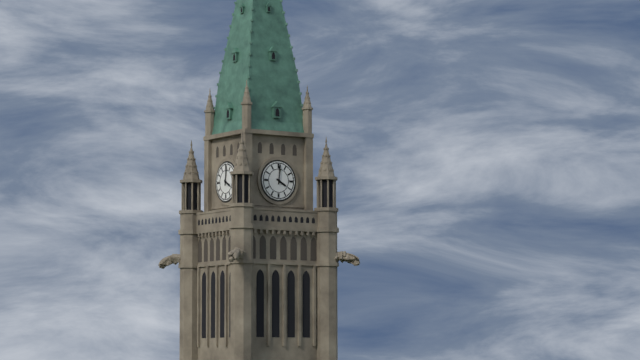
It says **4:01**
